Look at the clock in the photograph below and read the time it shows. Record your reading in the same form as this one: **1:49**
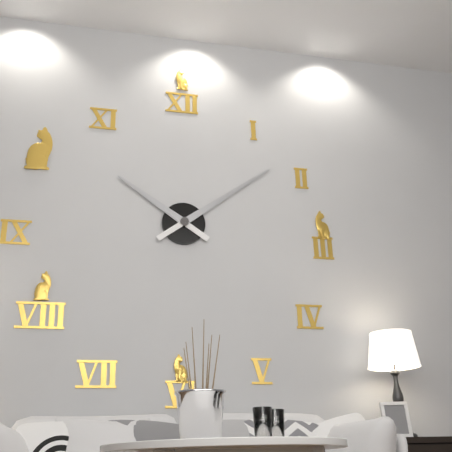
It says **10:09**
